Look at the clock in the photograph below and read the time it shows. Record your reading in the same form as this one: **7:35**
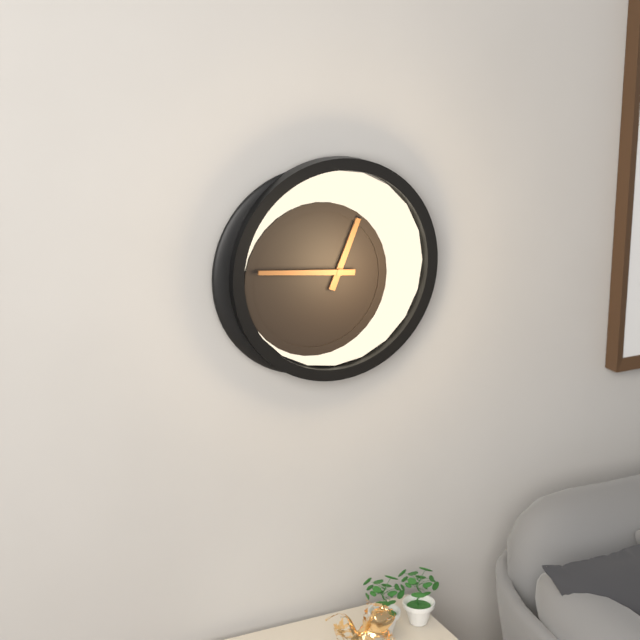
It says **12:46**
